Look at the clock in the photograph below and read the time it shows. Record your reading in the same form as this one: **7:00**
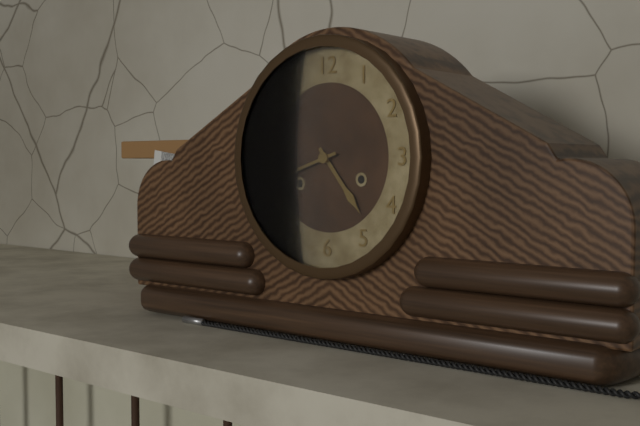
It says **4:42**
